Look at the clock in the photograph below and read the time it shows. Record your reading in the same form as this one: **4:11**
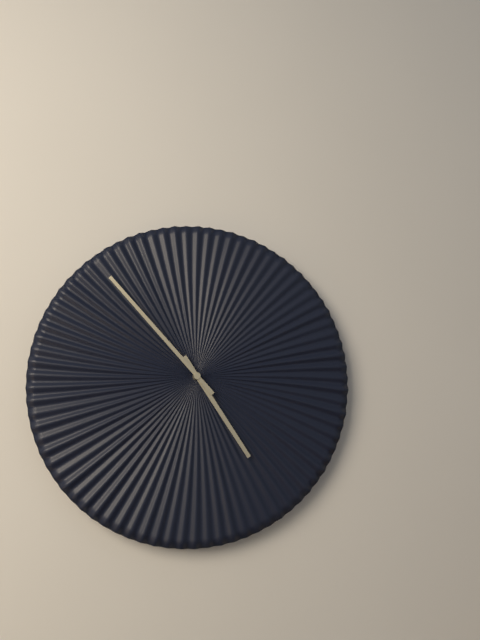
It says **4:53**
